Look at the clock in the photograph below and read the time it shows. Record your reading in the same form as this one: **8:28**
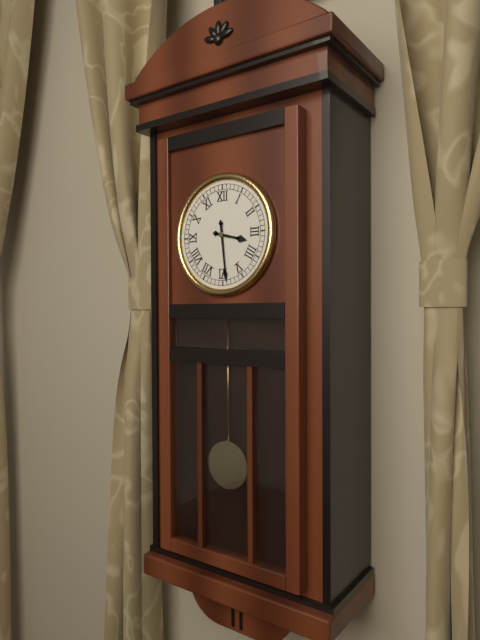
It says **3:29**
